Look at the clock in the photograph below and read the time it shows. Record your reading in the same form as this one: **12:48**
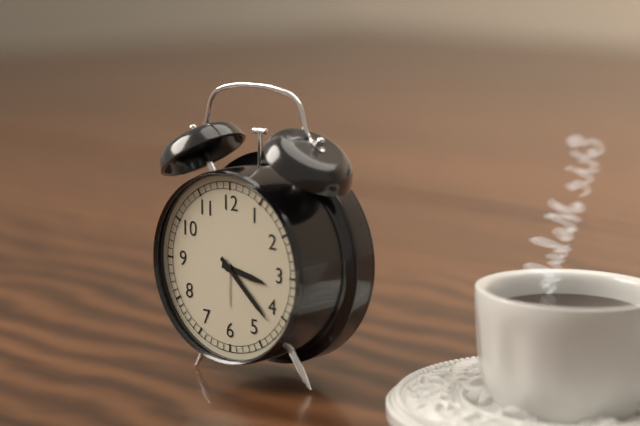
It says **3:22**
